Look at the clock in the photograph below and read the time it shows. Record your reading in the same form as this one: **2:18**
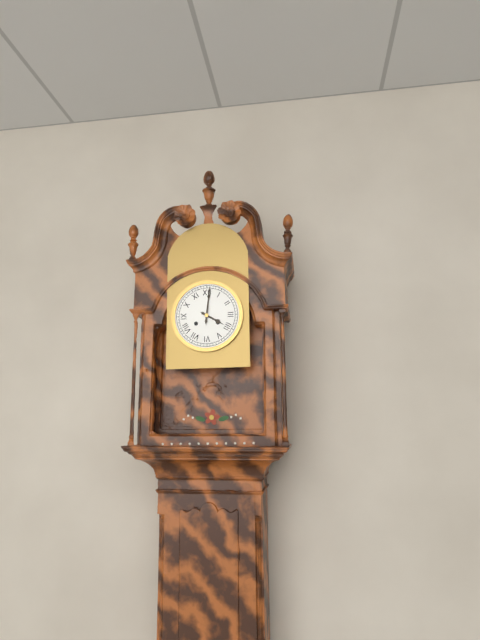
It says **4:01**
